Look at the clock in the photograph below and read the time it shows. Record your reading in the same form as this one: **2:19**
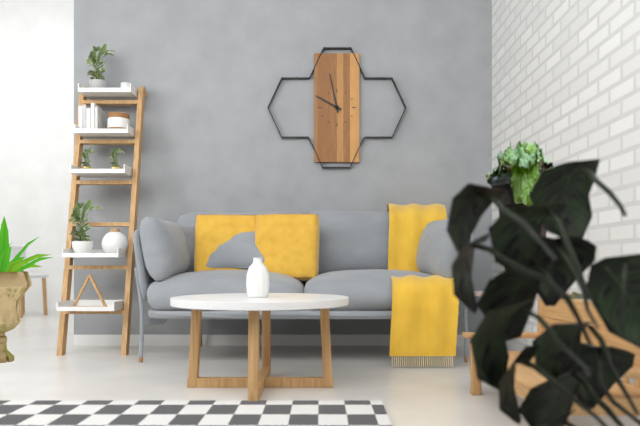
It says **9:58**
